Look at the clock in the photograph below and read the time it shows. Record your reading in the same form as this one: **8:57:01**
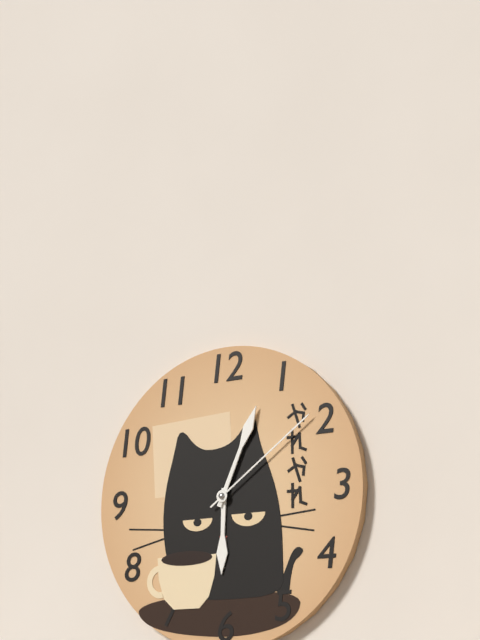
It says **6:04:09**
